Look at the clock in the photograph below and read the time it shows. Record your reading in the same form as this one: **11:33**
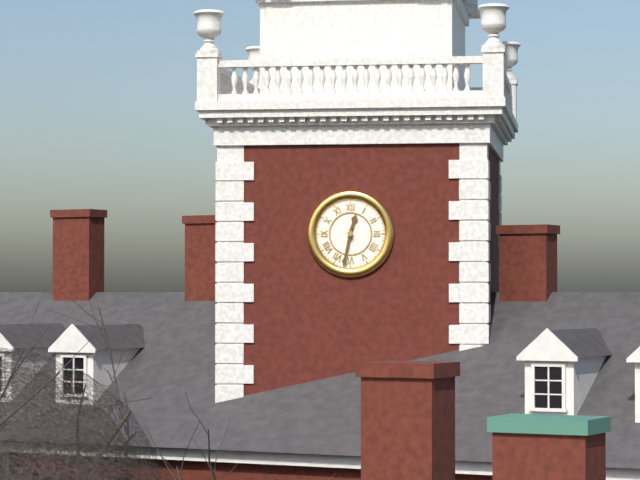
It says **12:32**
